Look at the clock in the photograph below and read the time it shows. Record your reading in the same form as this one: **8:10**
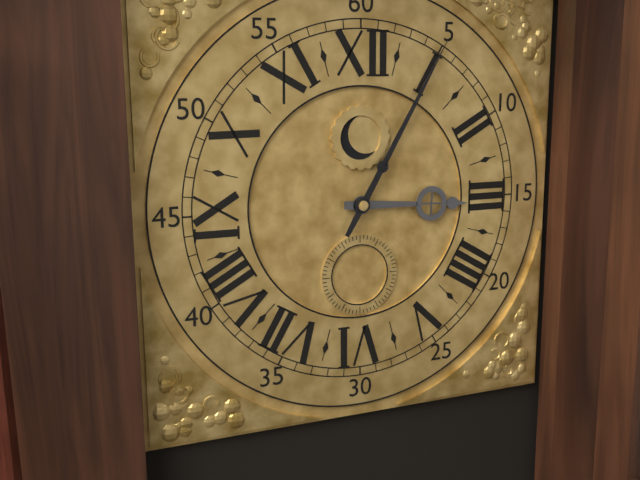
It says **3:05**
